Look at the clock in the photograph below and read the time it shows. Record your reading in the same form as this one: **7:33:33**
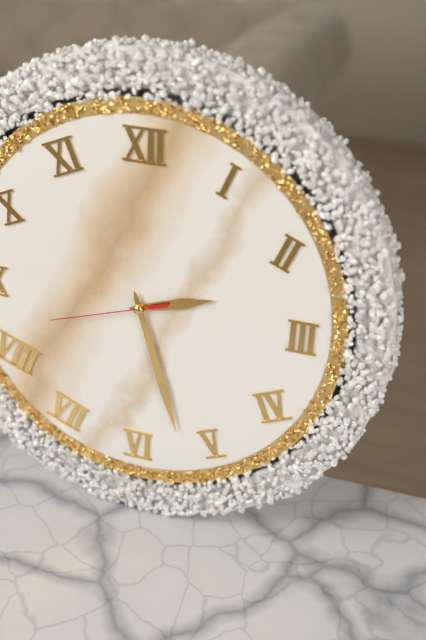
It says **2:27:42**
